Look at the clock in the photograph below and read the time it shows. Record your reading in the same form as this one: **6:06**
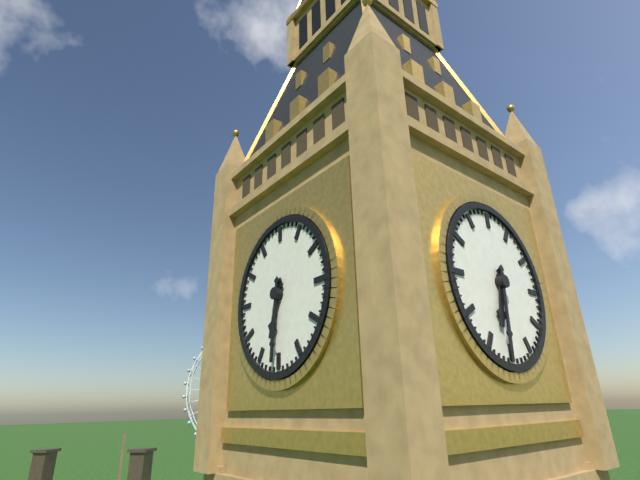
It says **6:31**
